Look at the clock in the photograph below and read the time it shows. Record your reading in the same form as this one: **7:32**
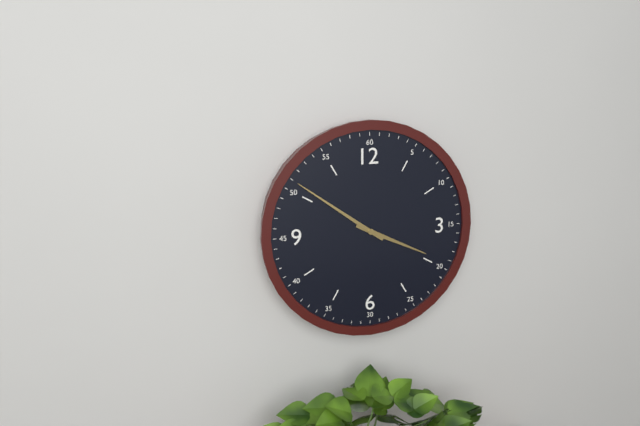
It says **3:51**
